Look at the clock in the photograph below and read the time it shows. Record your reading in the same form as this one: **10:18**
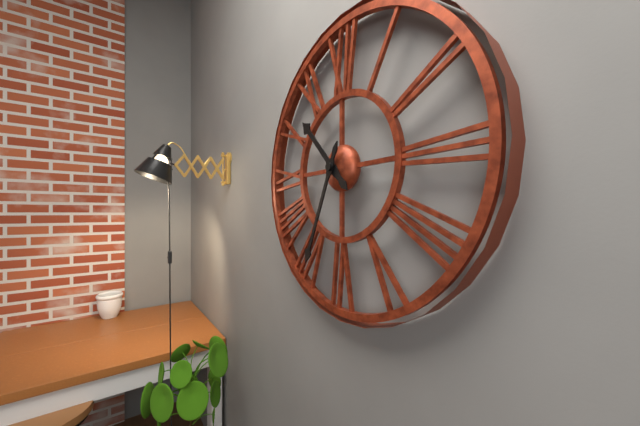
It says **10:34**
